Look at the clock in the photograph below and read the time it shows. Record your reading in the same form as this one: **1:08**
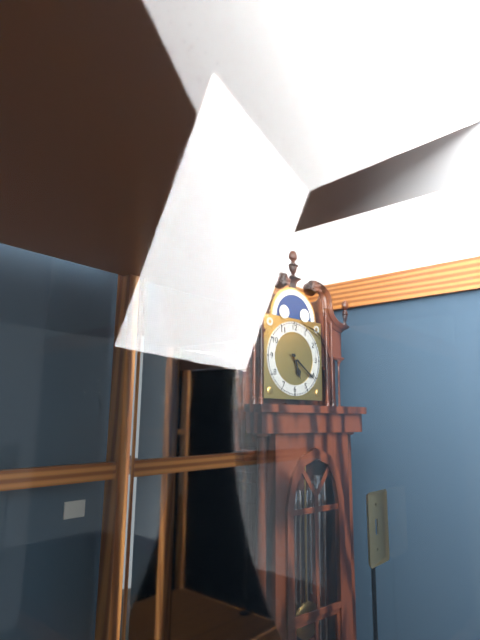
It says **5:21**
